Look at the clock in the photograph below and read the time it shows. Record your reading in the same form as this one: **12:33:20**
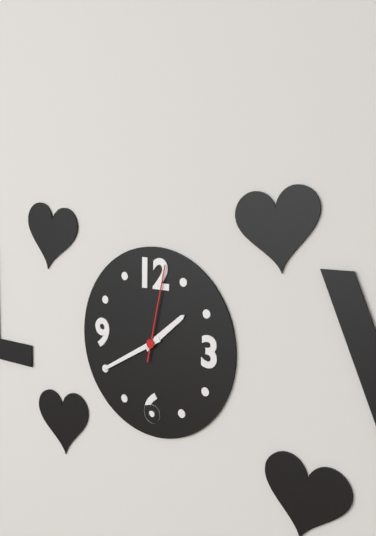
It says **1:40:02**
